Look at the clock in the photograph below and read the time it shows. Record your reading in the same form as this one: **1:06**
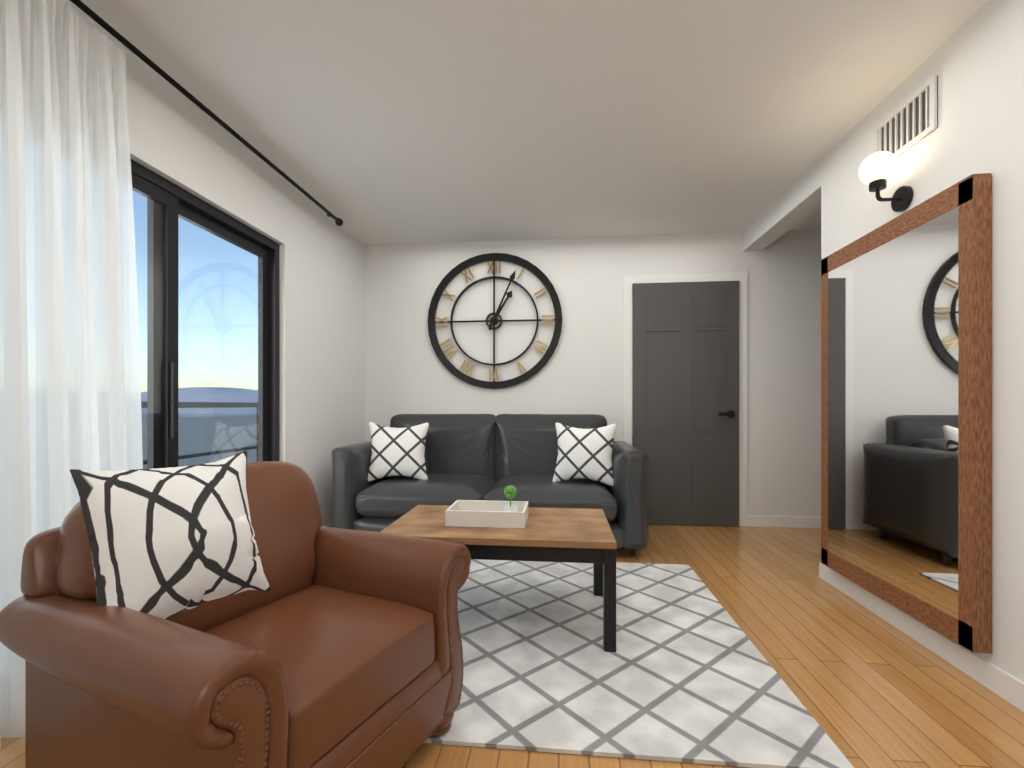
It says **1:04**
